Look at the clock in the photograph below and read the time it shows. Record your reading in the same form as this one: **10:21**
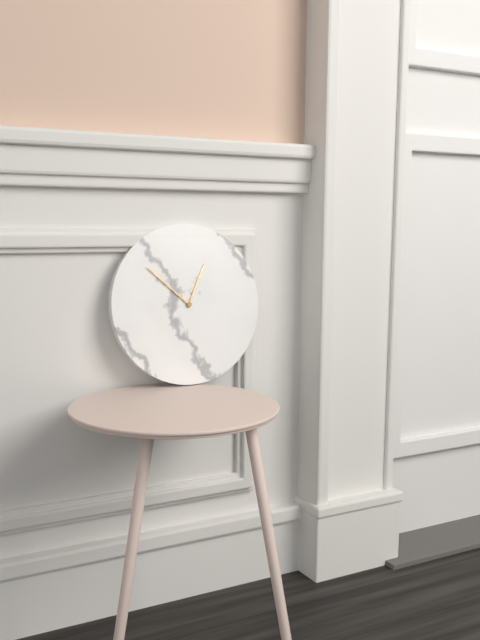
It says **12:52**
